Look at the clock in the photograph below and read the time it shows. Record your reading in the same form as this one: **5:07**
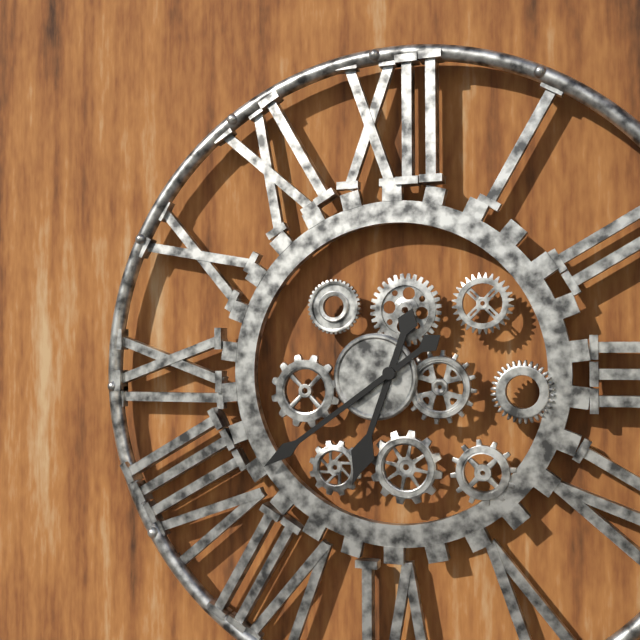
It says **6:39**
